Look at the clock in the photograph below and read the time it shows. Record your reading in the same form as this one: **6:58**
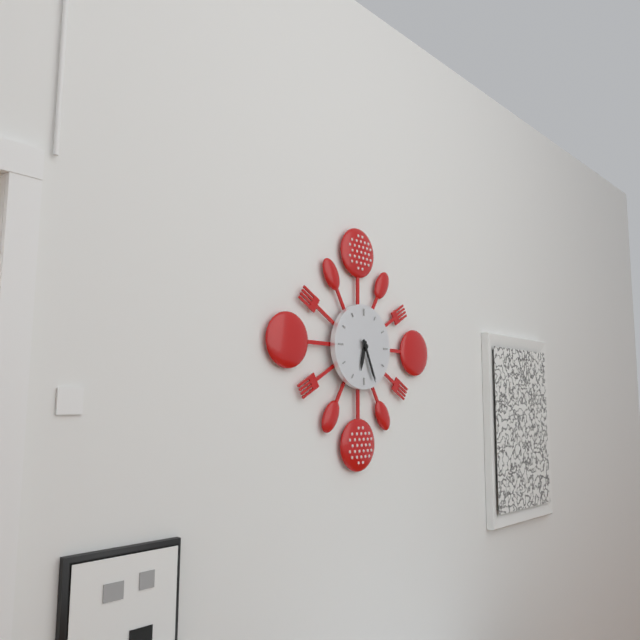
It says **6:26**
